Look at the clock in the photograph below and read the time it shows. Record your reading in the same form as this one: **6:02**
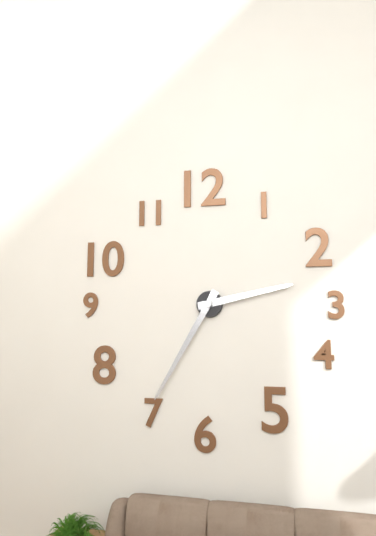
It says **2:35**
